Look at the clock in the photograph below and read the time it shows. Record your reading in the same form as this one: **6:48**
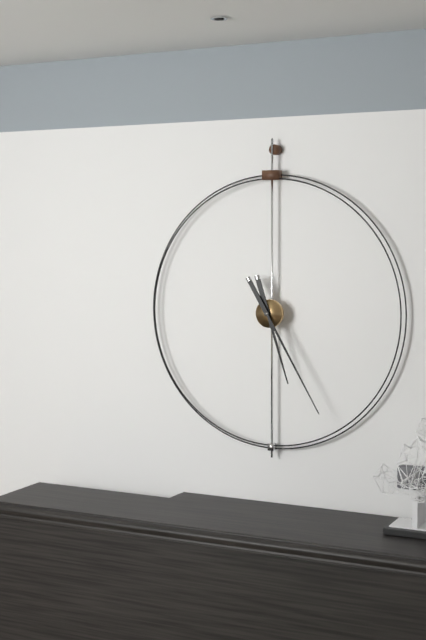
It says **5:25**
